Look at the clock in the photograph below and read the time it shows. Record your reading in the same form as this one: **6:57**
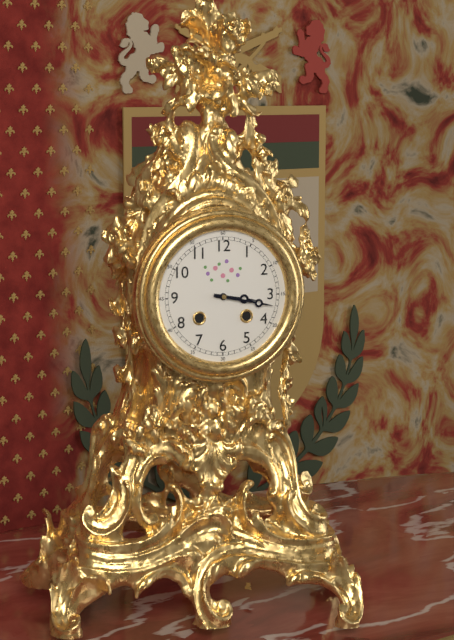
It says **3:17**
